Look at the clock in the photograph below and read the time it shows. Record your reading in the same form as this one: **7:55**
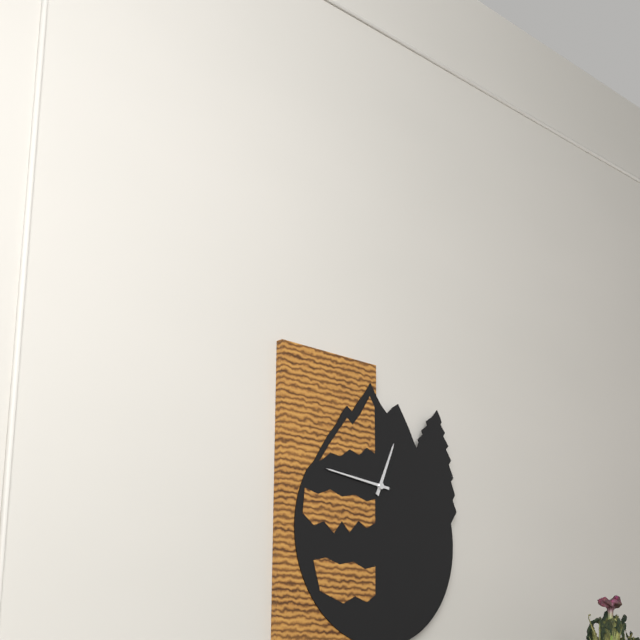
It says **12:46**
